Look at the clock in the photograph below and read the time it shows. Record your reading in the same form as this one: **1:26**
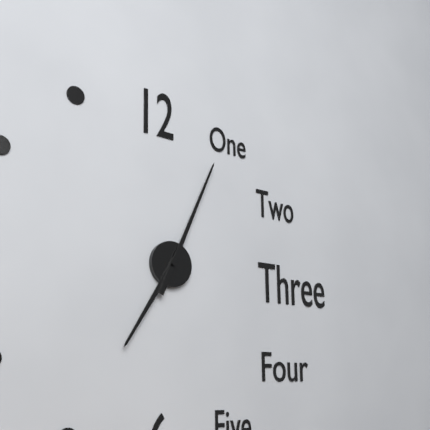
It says **7:04**
